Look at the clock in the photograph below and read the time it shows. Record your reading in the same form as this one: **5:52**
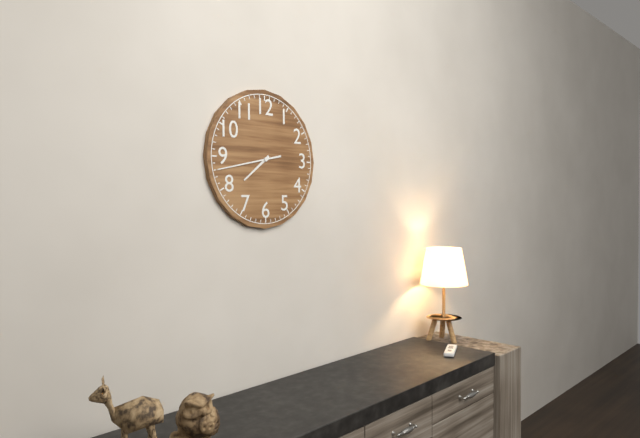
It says **7:43**
